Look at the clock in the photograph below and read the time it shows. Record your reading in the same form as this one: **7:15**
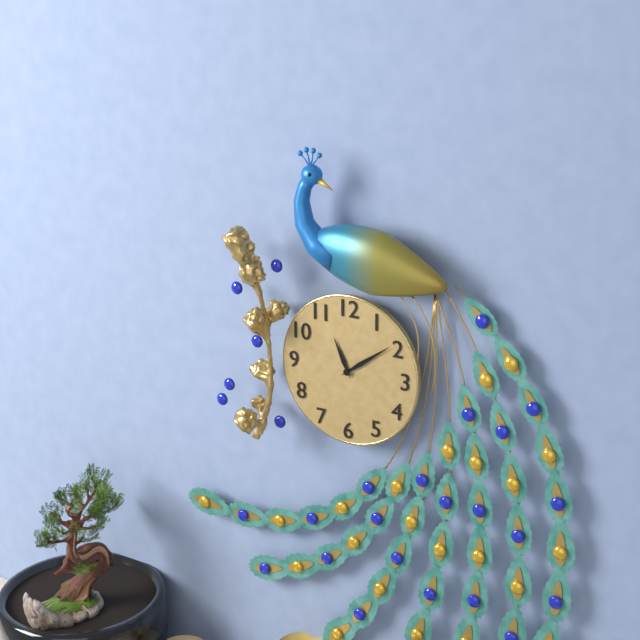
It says **11:09**
